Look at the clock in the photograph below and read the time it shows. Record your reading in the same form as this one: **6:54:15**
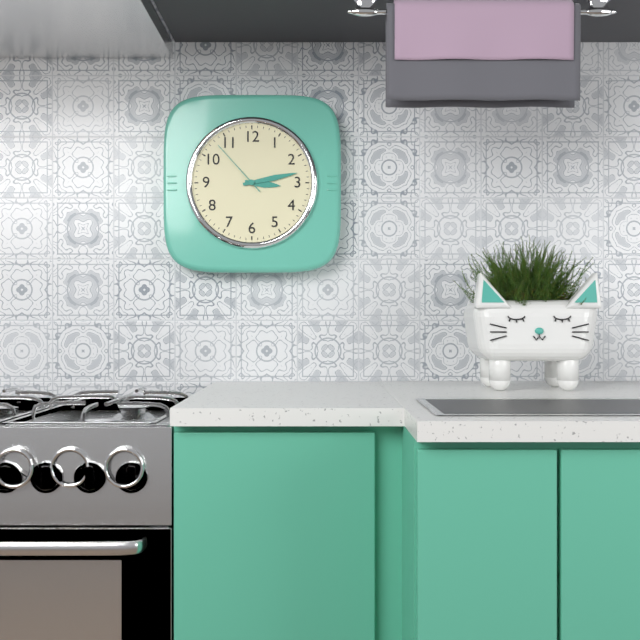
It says **3:13:53**
